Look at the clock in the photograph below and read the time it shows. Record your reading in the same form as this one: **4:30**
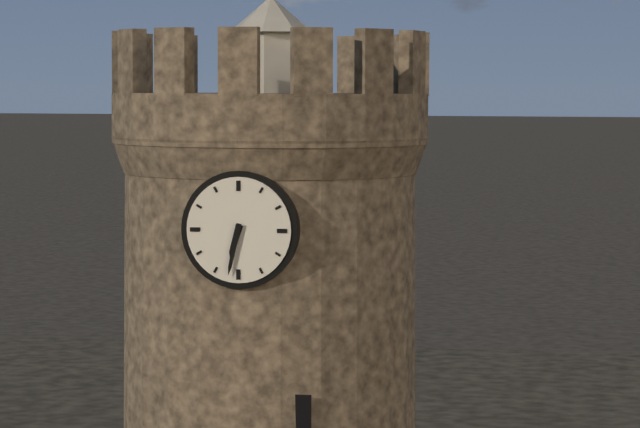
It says **6:32**
